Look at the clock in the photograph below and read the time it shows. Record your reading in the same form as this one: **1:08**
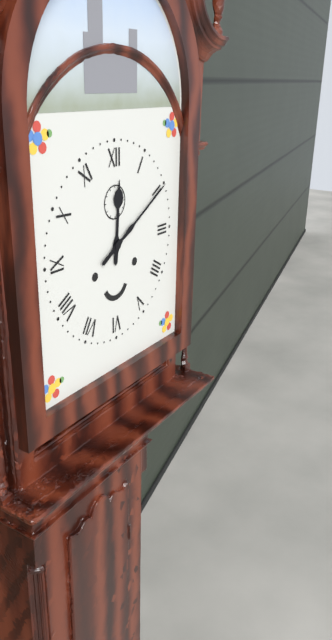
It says **12:10**
